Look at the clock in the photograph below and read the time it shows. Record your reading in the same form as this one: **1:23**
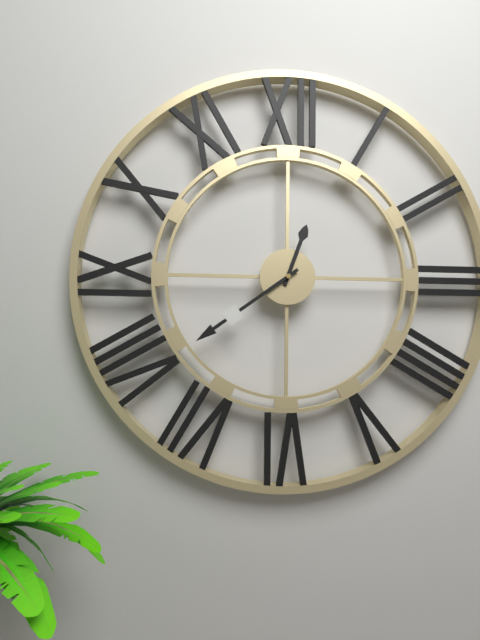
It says **12:39**
